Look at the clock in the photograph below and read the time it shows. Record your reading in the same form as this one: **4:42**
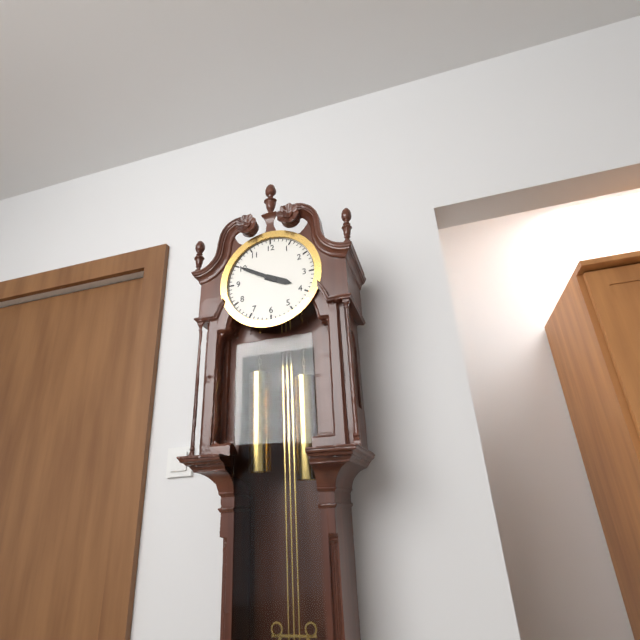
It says **3:50**
